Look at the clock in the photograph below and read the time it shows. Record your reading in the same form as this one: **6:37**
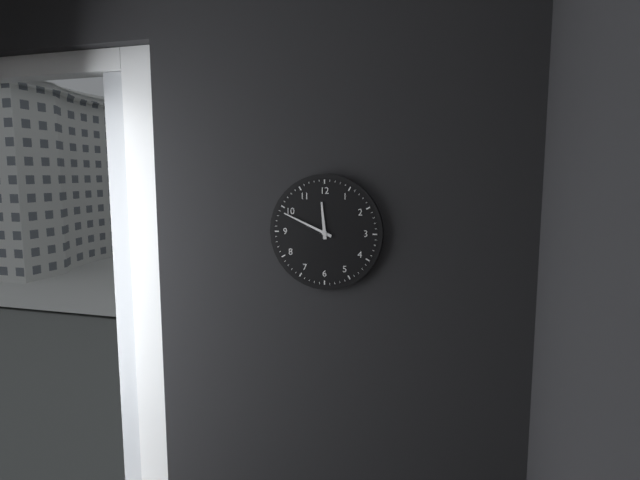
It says **11:49**
